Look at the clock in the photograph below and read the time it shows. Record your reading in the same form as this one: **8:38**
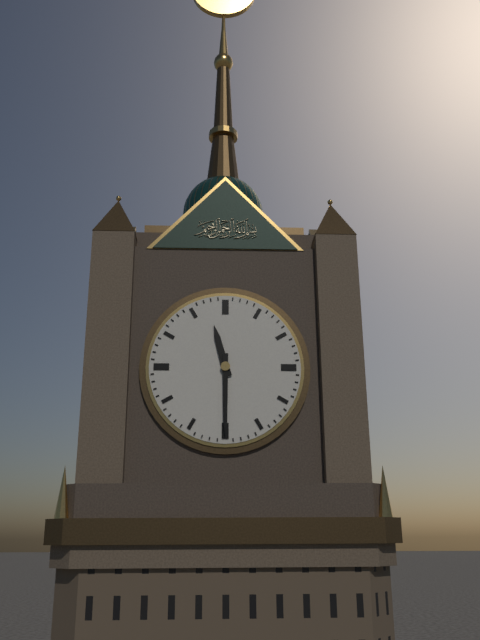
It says **11:30**
